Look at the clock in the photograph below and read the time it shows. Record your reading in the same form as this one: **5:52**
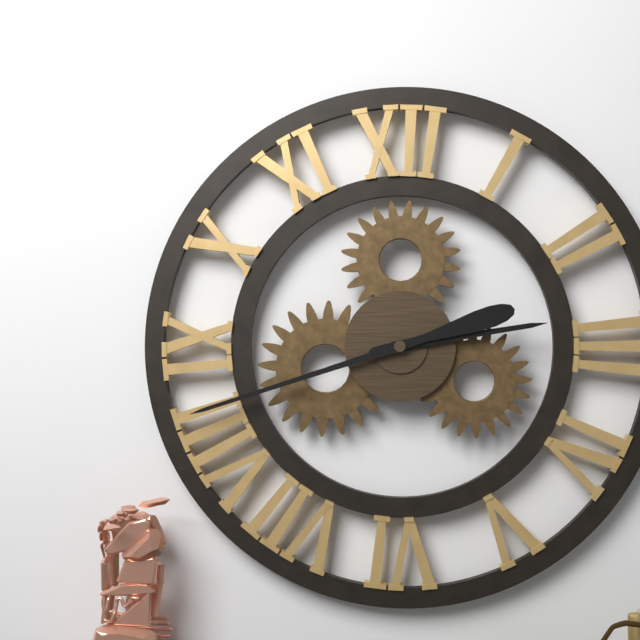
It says **2:42**
